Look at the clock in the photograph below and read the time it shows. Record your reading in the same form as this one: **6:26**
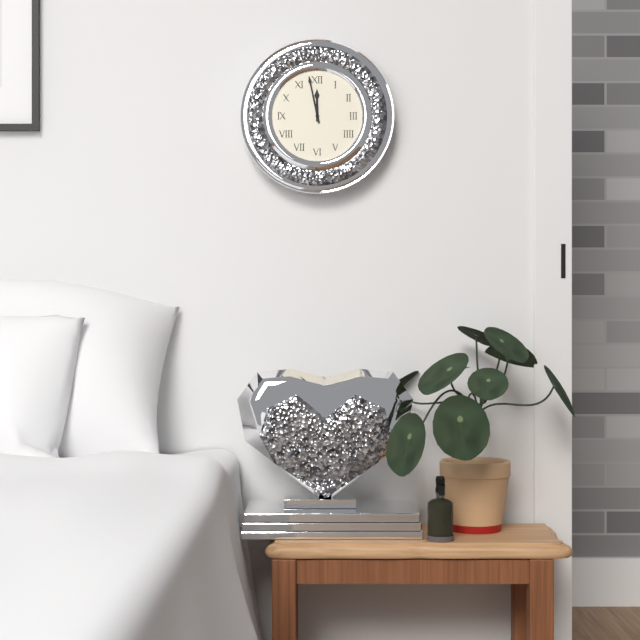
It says **11:58**
